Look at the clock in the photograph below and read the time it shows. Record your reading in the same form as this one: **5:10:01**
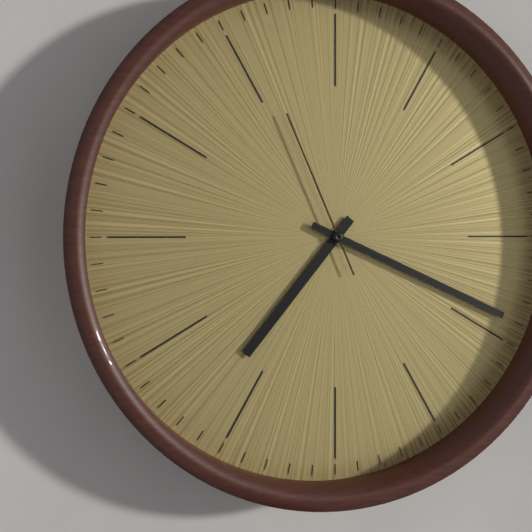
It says **7:19:56**
